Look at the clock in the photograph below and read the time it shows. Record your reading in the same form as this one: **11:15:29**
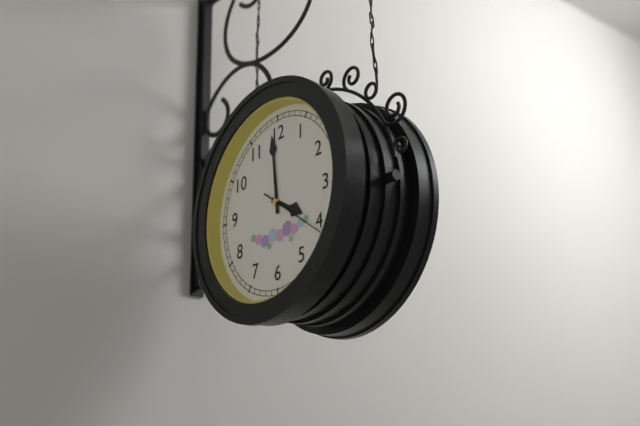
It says **3:59:21**
